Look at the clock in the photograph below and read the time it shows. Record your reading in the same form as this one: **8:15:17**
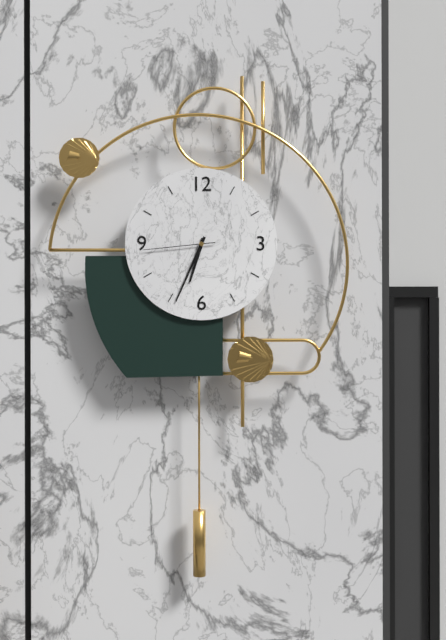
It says **6:34:44**
